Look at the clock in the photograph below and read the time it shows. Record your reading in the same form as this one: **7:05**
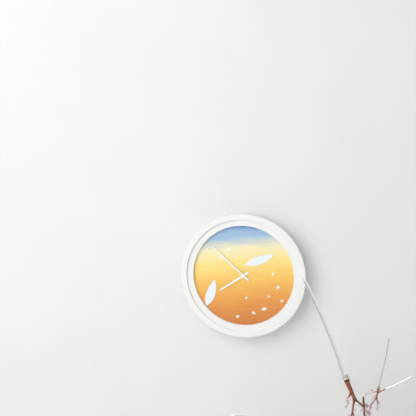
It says **7:52**
